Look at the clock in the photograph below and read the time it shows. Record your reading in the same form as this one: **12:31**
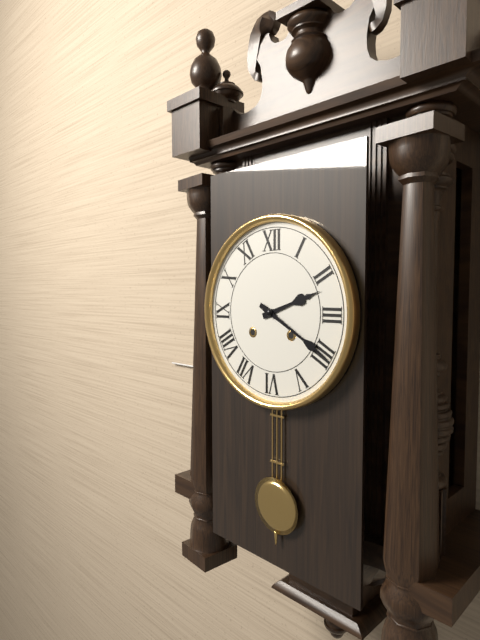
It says **2:20**
